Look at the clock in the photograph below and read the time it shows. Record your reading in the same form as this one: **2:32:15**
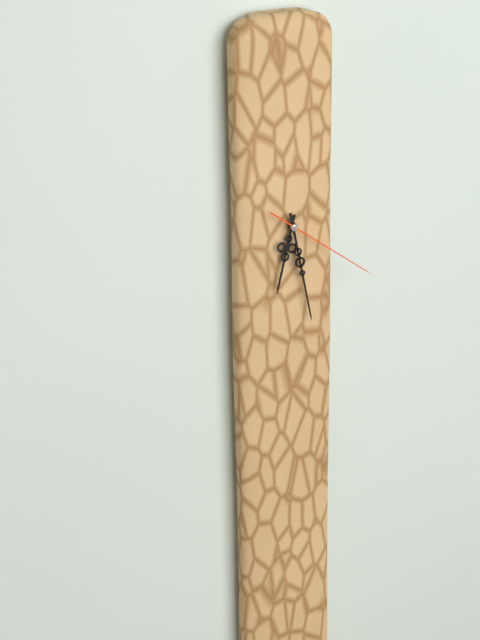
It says **6:28:21**
